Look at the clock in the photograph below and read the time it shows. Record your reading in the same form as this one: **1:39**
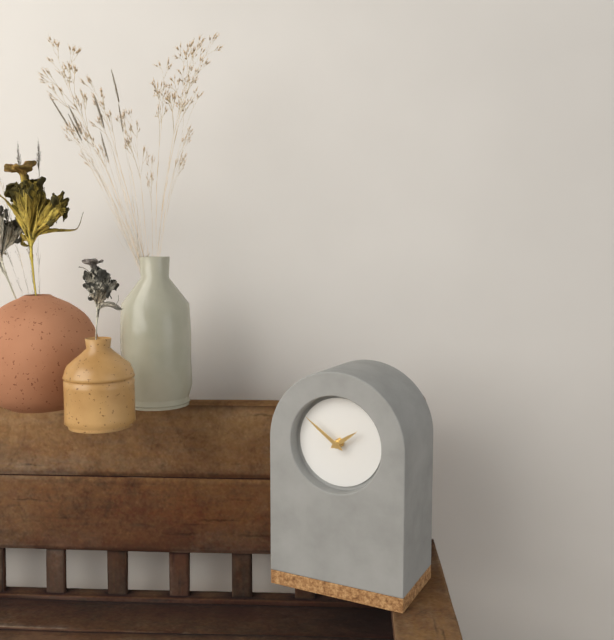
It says **1:51**
